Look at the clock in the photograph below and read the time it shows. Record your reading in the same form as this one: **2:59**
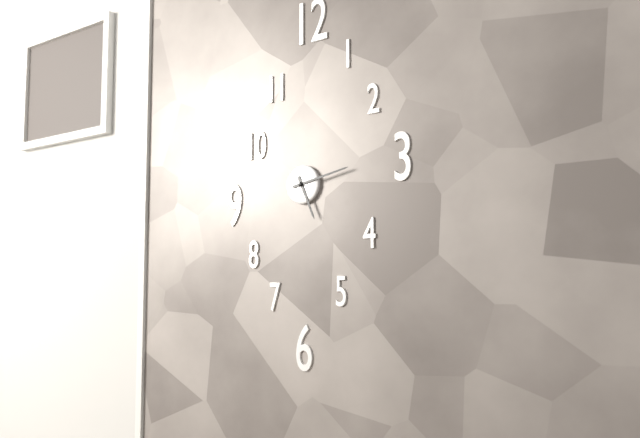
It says **5:13**
